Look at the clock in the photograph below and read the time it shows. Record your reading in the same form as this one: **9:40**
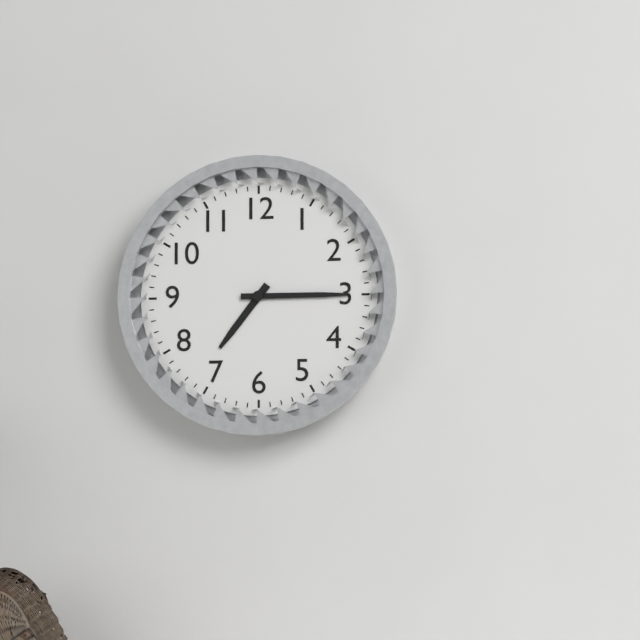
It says **7:15**
